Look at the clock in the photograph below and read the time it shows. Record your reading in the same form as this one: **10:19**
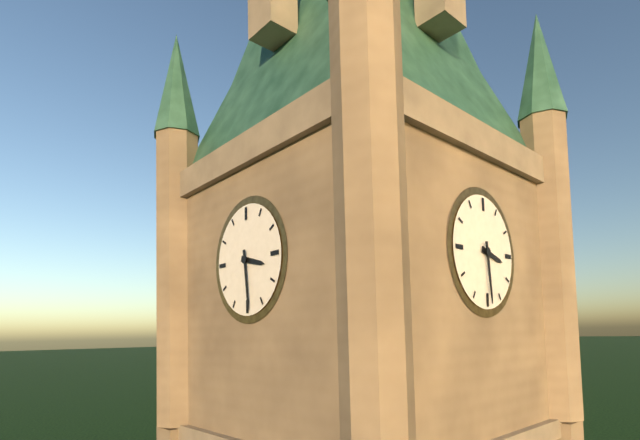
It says **3:29**
